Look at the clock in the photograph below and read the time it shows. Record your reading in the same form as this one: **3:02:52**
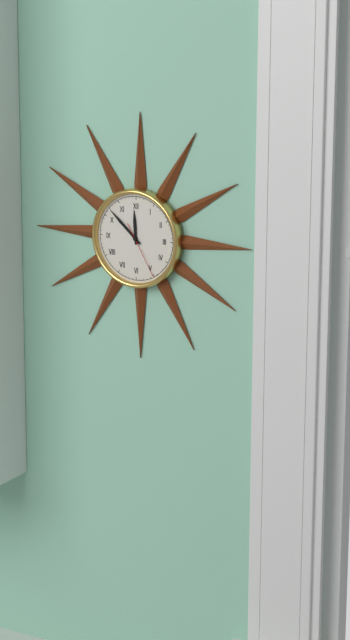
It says **11:52:25**
